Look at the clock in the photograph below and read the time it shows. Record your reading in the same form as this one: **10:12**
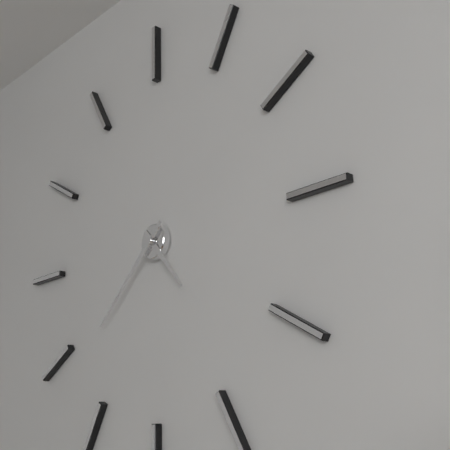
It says **4:38**
